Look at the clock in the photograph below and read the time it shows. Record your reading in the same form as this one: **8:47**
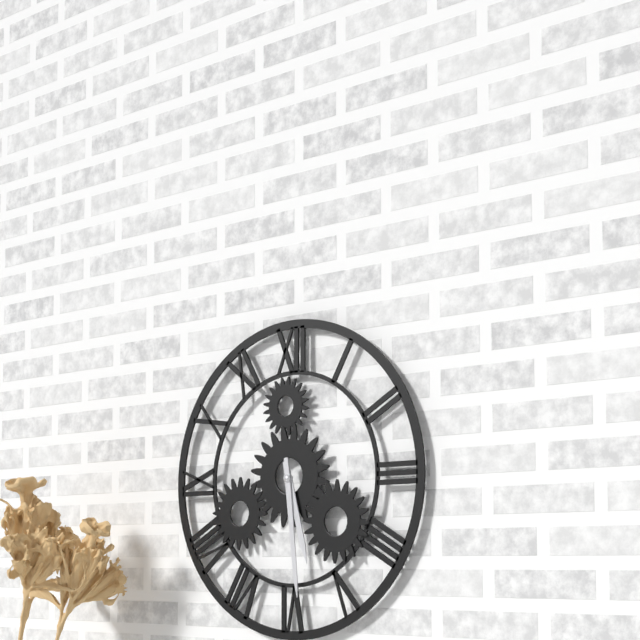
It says **5:29**
